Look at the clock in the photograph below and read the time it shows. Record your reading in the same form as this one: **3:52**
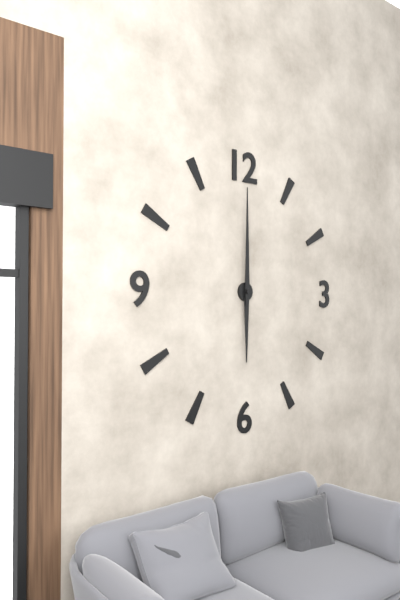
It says **6:00**
